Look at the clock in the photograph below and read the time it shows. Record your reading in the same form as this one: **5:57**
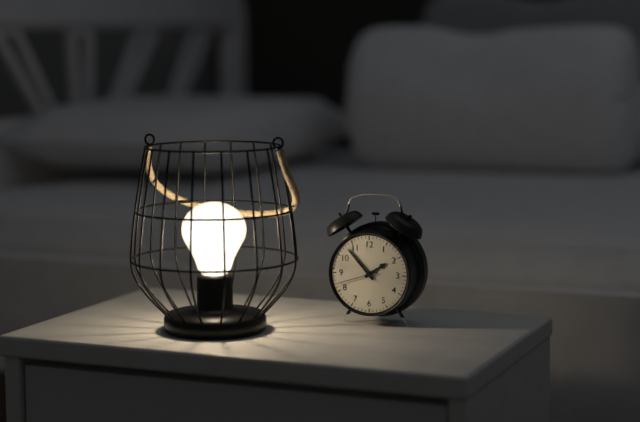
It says **1:53**
